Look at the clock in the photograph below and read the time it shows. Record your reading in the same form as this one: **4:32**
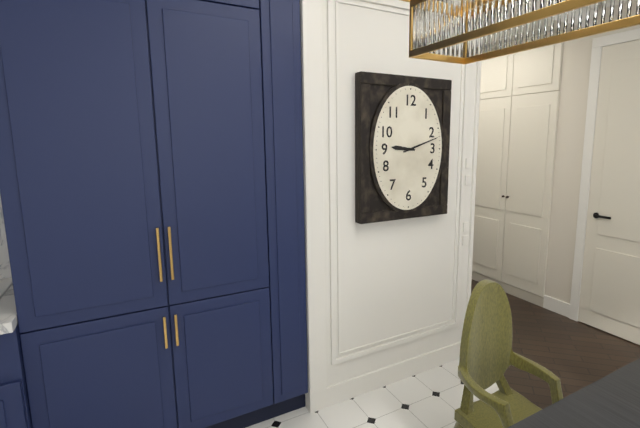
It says **9:12**
